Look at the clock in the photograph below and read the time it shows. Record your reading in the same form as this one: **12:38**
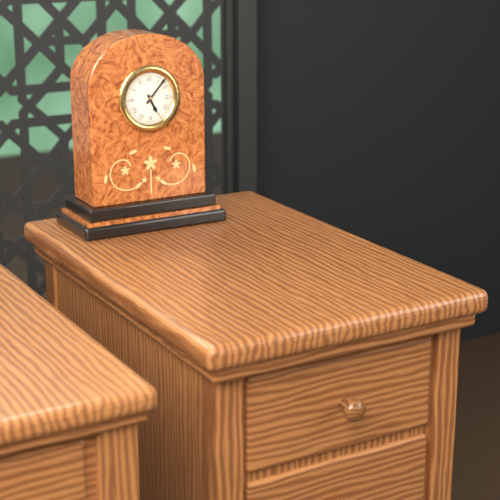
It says **5:07**
